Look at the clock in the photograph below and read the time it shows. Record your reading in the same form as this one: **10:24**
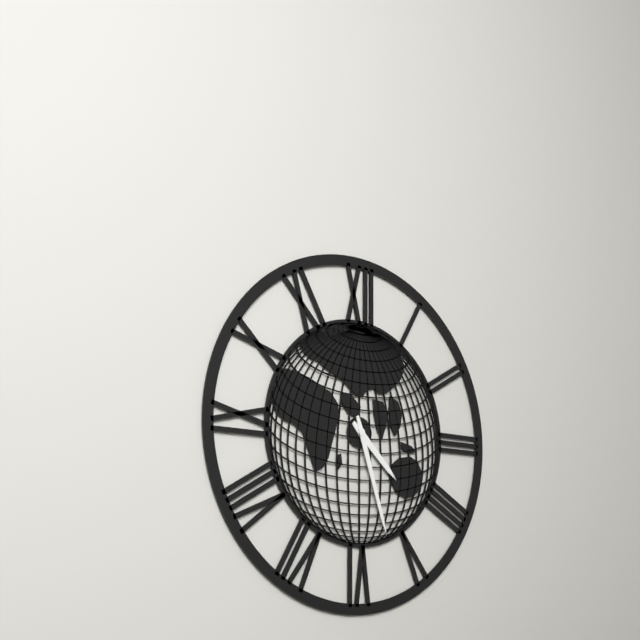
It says **4:27**
